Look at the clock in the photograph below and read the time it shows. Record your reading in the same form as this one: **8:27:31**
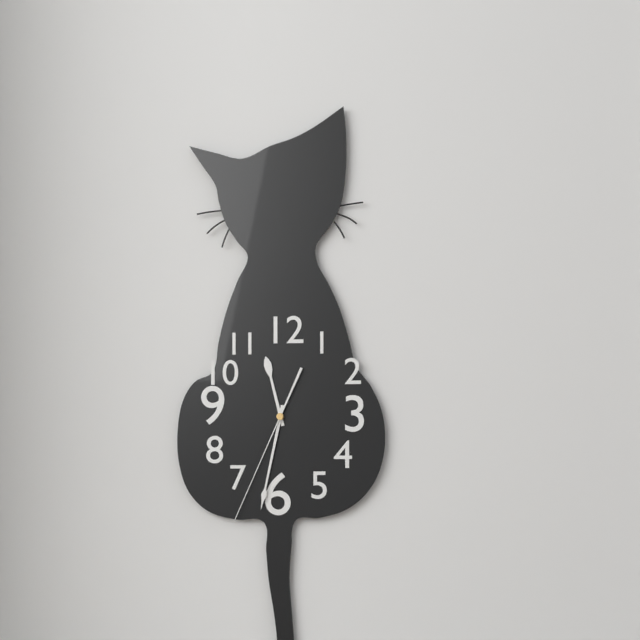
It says **11:32:34**
